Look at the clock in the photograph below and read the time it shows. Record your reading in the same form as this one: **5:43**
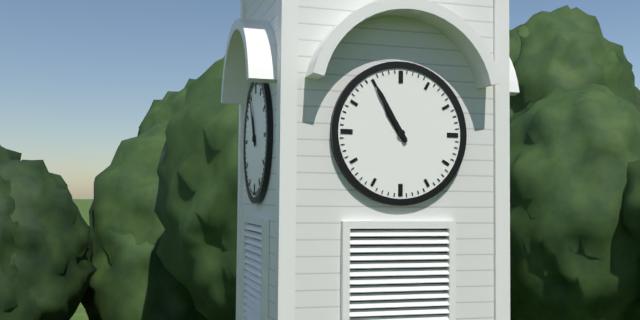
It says **10:55**
